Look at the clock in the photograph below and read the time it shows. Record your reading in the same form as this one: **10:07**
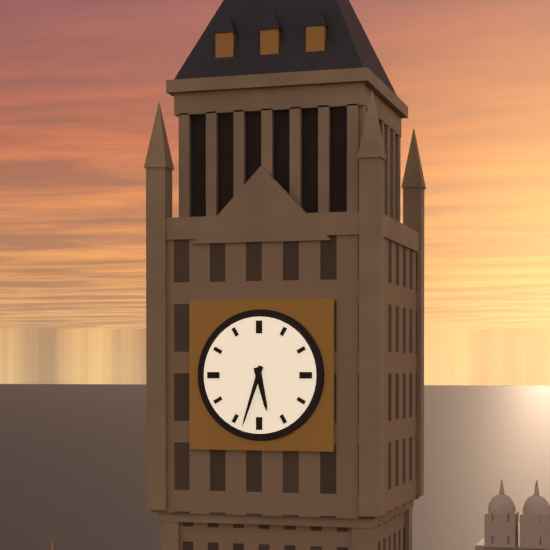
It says **5:33**
